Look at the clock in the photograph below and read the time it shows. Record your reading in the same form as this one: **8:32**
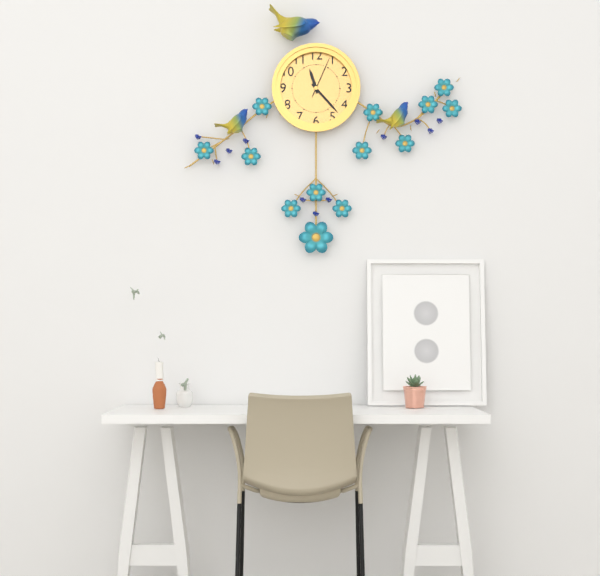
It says **11:23**
